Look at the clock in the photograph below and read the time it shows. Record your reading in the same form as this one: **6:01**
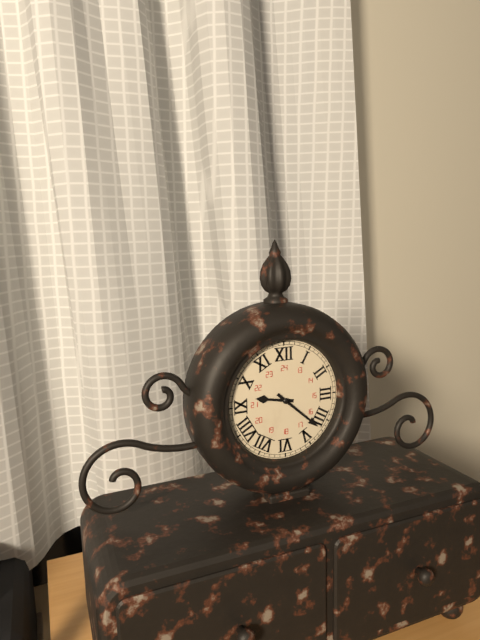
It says **9:22**
